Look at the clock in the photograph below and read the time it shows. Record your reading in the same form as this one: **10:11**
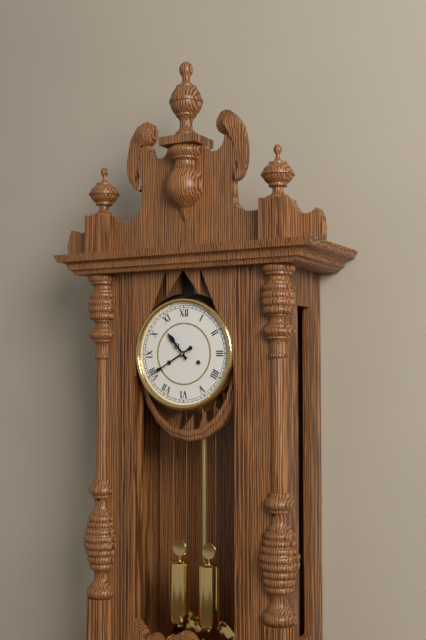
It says **10:40**
